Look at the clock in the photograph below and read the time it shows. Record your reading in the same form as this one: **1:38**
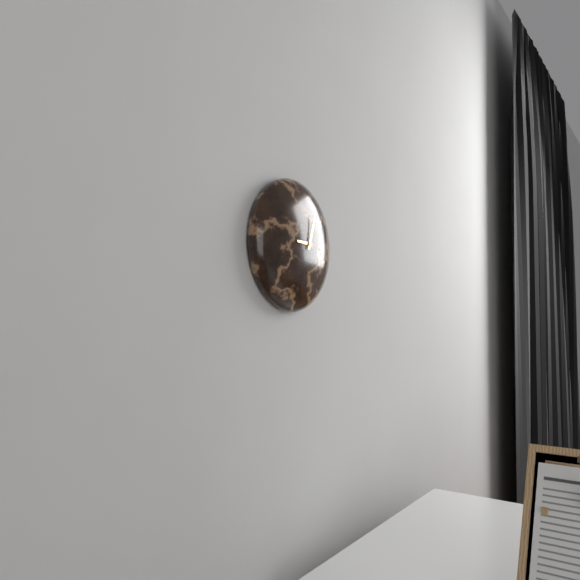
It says **9:03**
